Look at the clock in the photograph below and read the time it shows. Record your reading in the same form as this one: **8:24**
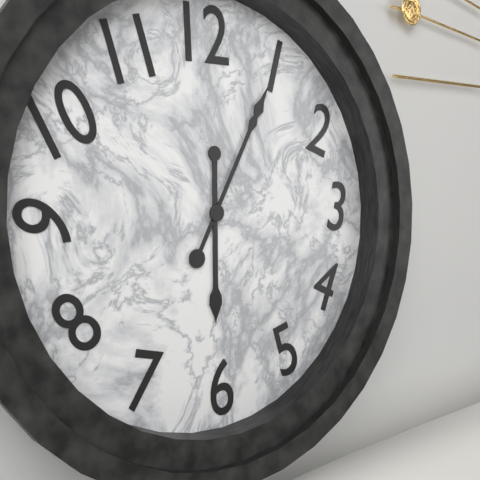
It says **6:05**
